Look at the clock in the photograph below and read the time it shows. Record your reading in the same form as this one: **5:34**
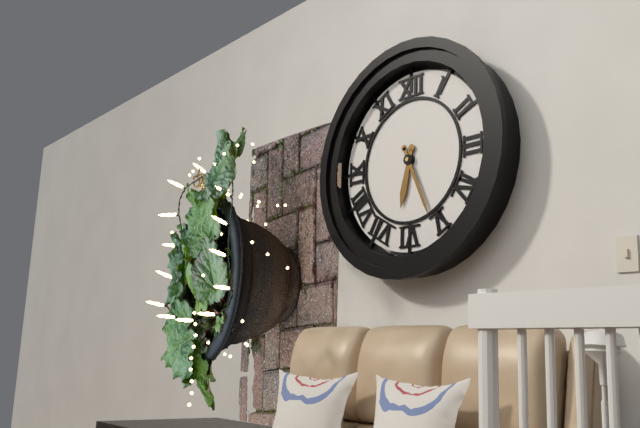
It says **6:26**
